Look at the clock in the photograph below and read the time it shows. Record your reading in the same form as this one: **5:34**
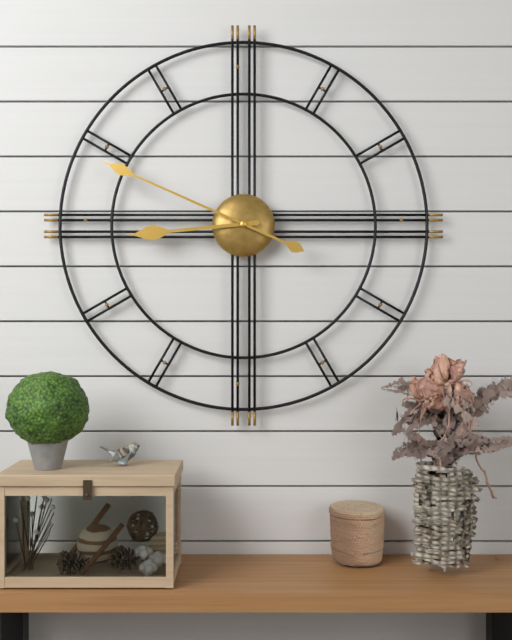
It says **8:49**
